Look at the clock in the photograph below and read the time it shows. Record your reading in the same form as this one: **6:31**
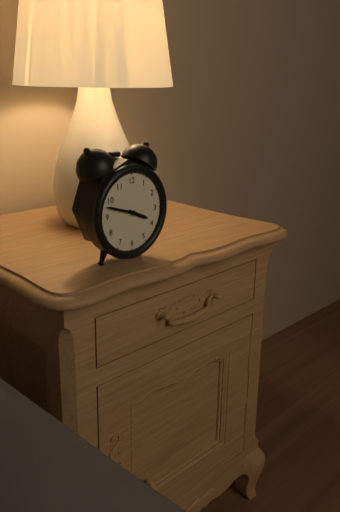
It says **3:48**
